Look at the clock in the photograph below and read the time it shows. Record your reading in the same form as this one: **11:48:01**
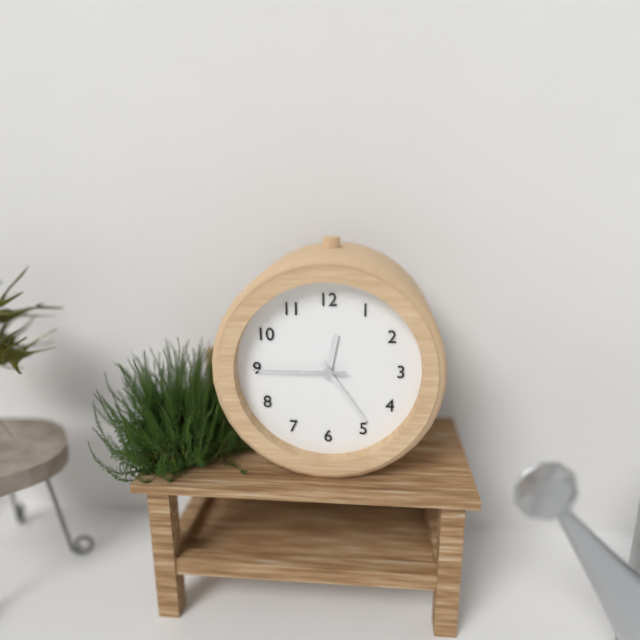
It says **12:24:45**
